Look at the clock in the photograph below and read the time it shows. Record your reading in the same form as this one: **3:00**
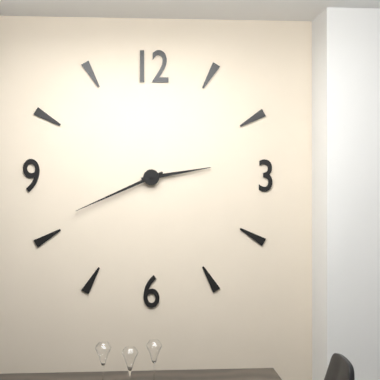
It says **2:41**
